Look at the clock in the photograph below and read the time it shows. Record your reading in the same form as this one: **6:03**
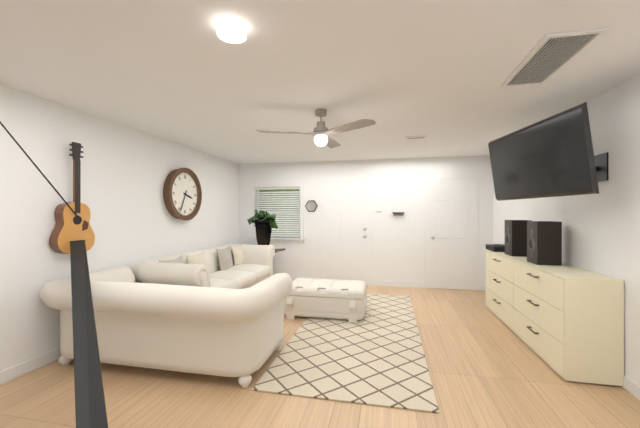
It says **3:34**
